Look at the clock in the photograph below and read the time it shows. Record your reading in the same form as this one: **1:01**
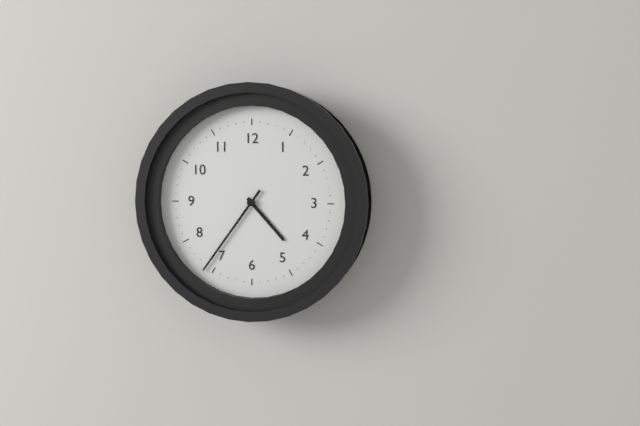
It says **4:36**
